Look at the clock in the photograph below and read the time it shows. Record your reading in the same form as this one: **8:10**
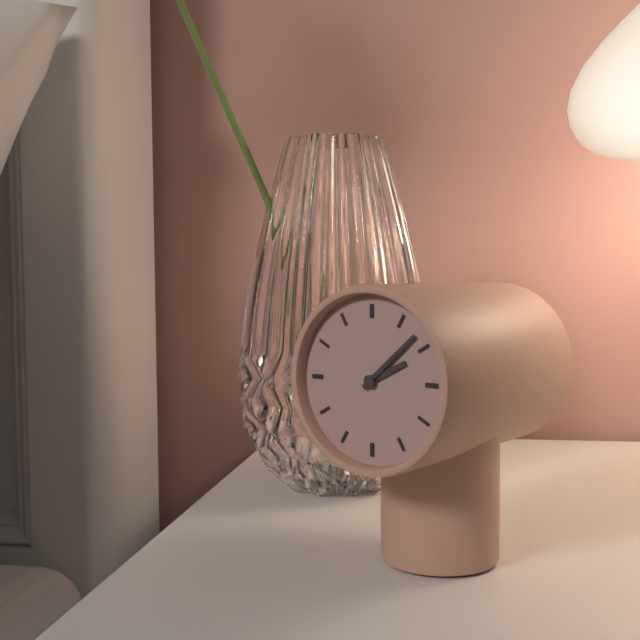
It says **2:08**
